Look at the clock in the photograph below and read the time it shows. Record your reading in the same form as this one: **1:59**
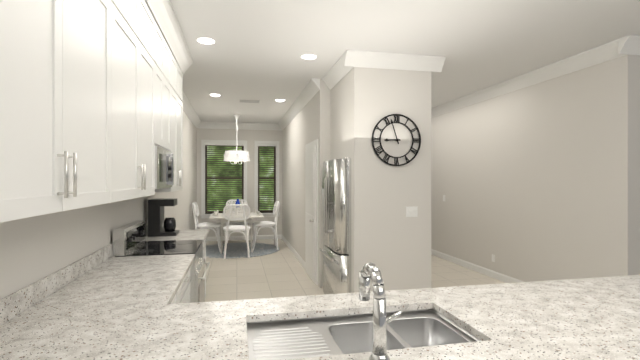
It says **8:57**
